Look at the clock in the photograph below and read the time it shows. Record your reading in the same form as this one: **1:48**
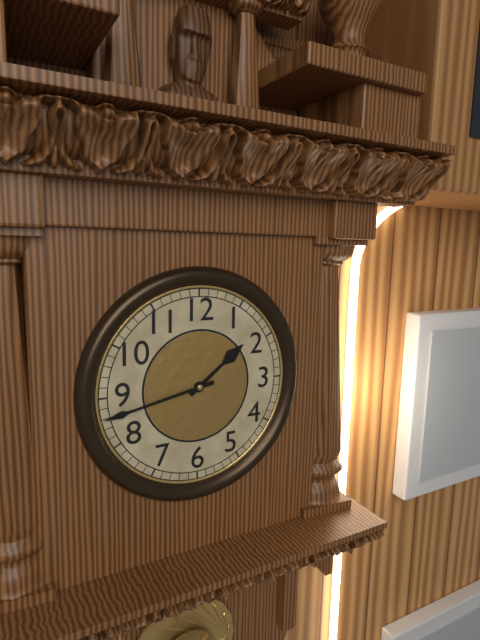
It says **1:43**
